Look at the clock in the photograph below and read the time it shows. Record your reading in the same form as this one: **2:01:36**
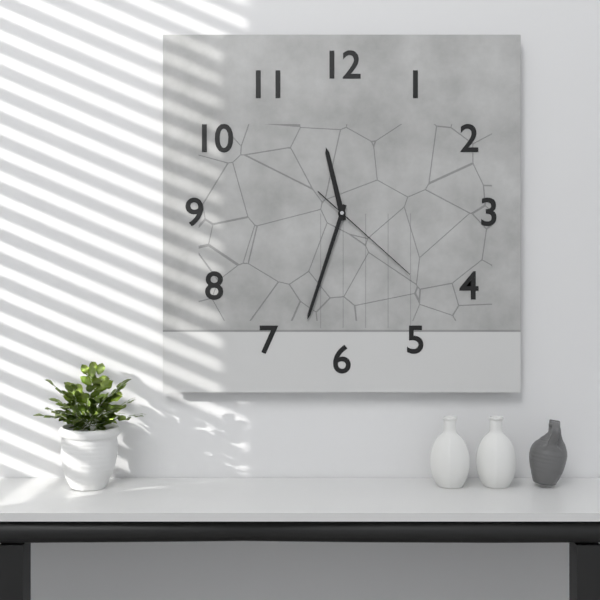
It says **11:33:22**
